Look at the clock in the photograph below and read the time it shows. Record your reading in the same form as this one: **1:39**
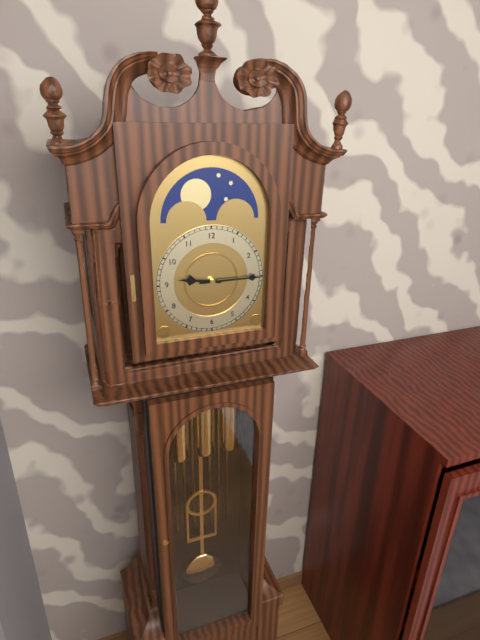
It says **9:15**
